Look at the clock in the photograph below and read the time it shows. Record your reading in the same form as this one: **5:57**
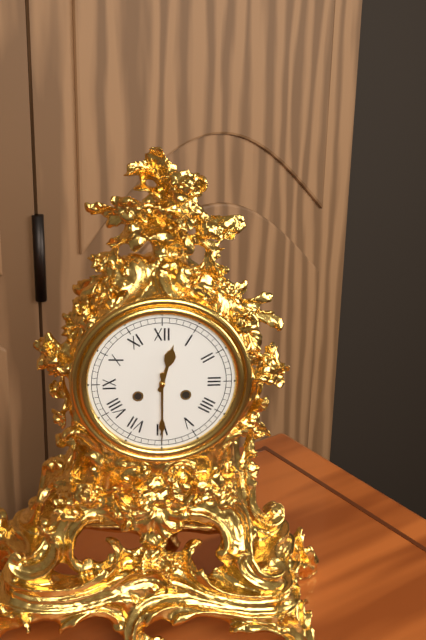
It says **12:30**
